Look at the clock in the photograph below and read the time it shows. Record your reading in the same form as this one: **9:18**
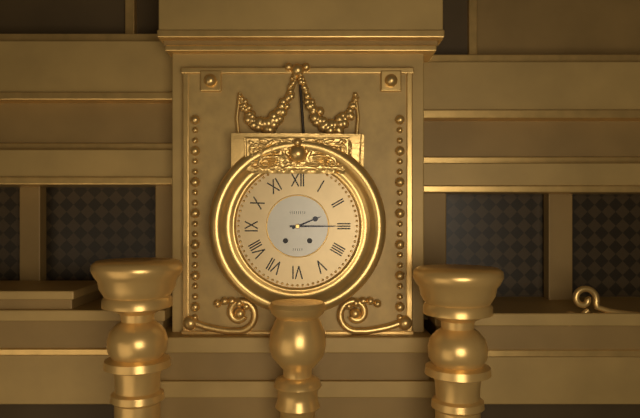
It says **2:15**
